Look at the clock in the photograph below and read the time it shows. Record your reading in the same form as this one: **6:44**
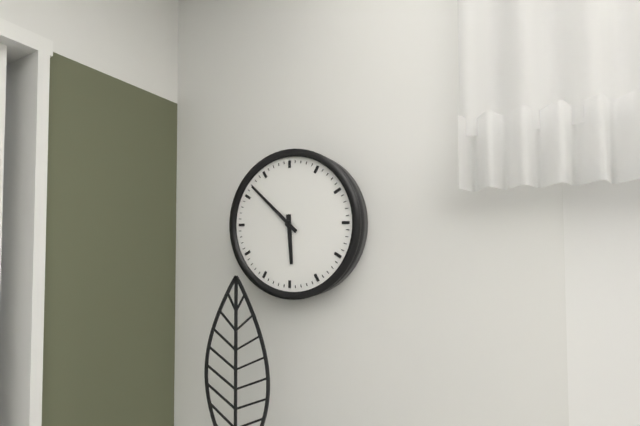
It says **5:52**
